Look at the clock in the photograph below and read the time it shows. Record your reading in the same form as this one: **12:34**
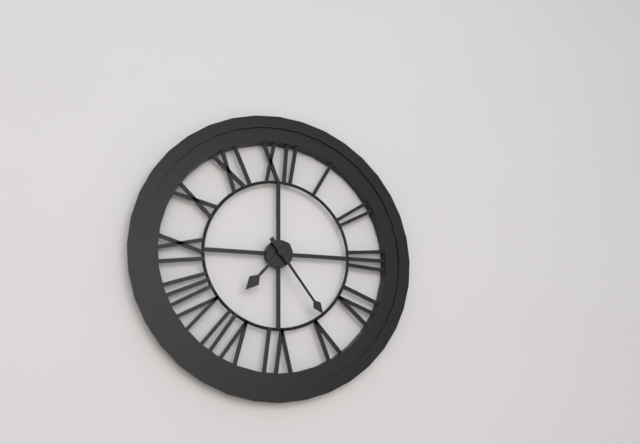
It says **7:24**
